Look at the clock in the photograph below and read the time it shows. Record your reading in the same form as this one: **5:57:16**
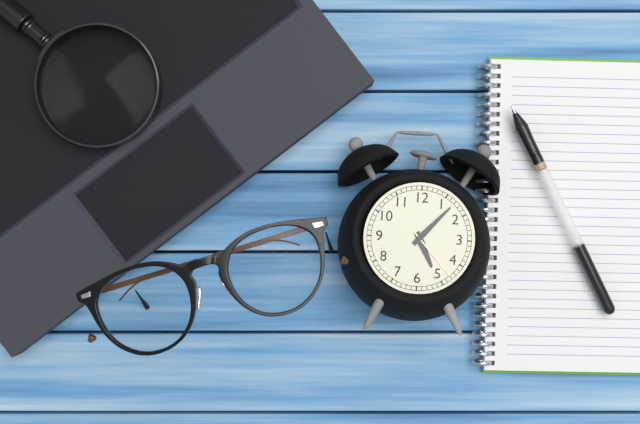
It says **5:07:23**
